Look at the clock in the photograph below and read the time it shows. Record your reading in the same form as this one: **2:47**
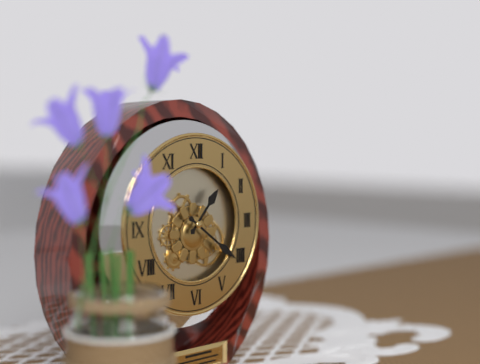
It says **1:21**
